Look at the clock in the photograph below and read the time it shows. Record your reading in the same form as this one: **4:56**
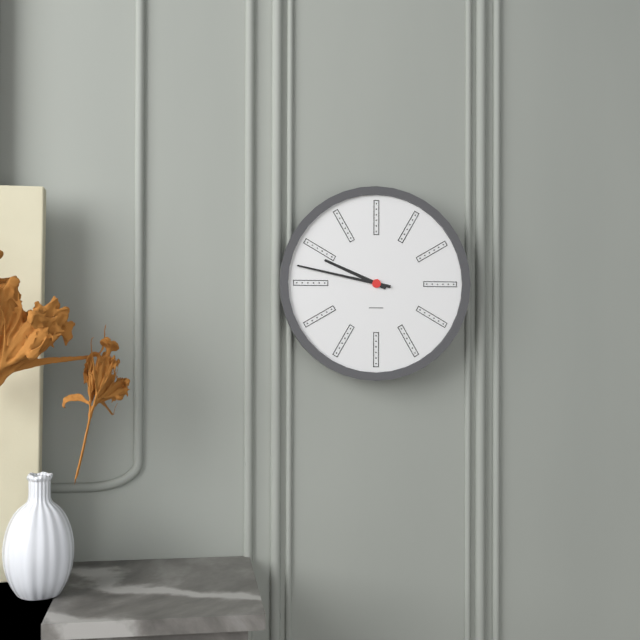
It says **9:47**
